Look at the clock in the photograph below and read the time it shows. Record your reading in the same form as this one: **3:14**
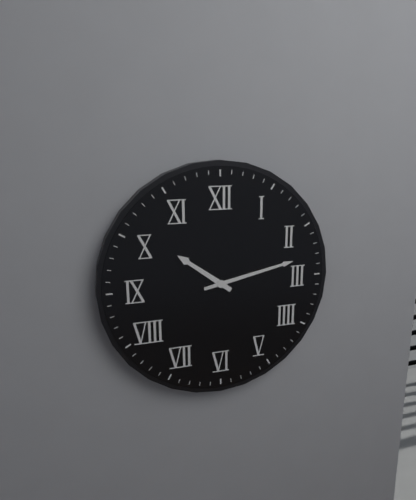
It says **10:13**
